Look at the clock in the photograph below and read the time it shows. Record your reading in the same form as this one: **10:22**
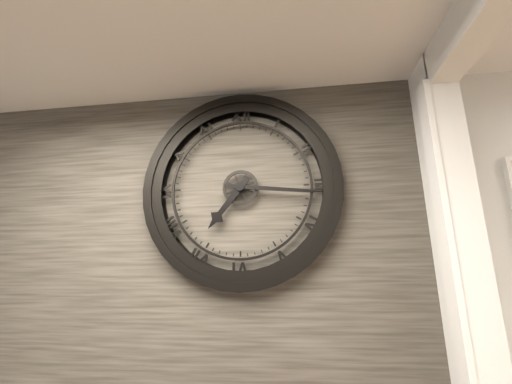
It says **7:16**
